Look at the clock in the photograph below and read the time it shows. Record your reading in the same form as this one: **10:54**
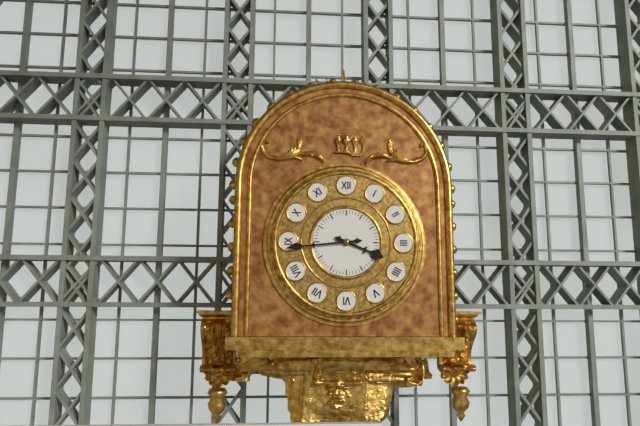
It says **3:44**
